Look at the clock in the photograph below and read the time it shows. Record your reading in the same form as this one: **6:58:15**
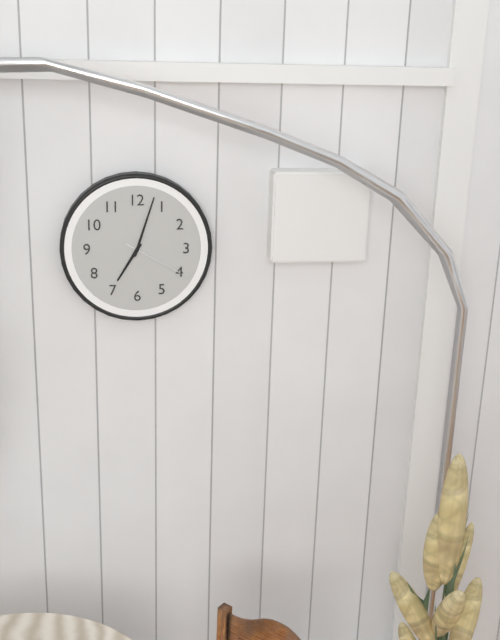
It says **7:03:20**
